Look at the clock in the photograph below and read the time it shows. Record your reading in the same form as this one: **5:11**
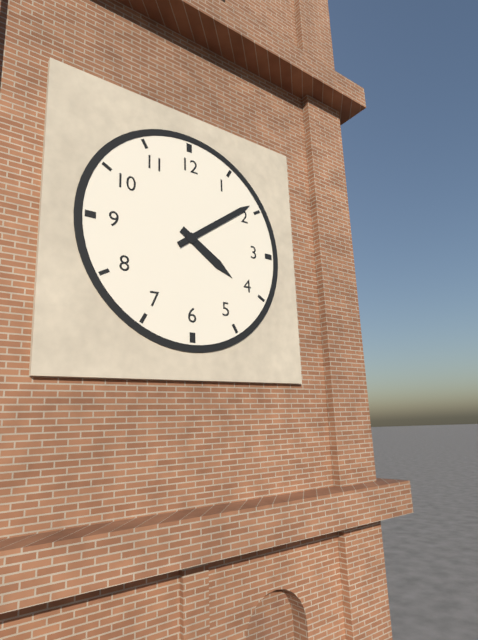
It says **4:09**
